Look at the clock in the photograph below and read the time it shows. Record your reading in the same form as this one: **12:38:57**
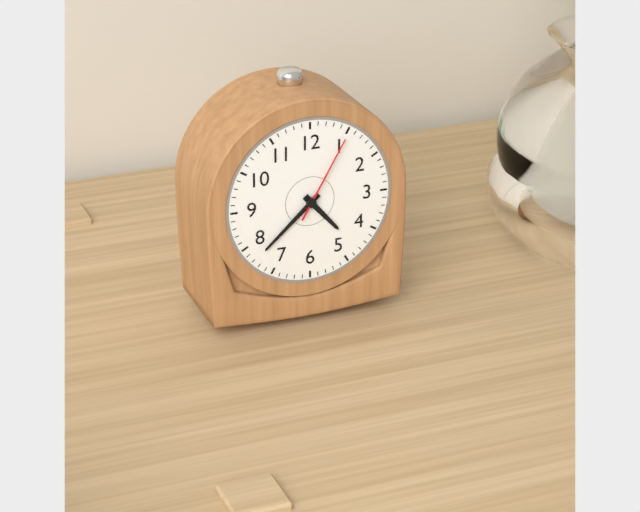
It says **4:38:05**
